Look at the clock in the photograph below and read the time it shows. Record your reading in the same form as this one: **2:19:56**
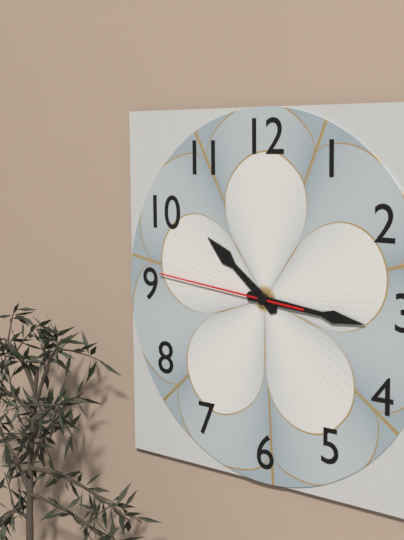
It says **10:16:46**
